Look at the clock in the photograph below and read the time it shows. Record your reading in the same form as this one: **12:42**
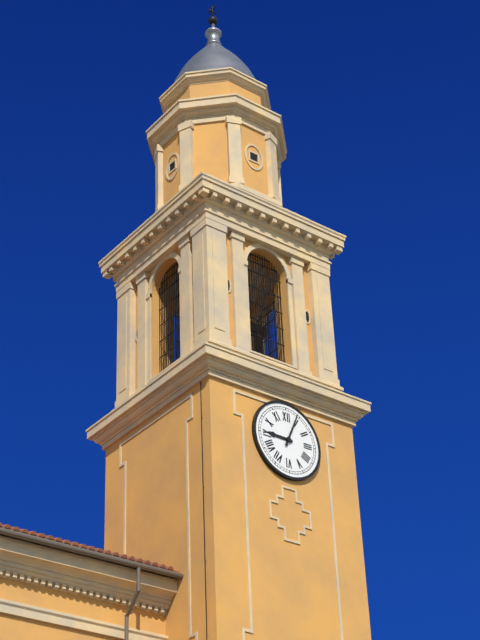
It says **9:04**
